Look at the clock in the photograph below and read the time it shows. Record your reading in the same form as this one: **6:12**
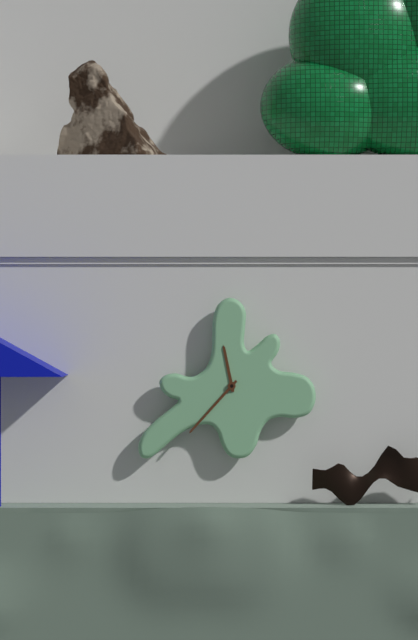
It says **11:37**
